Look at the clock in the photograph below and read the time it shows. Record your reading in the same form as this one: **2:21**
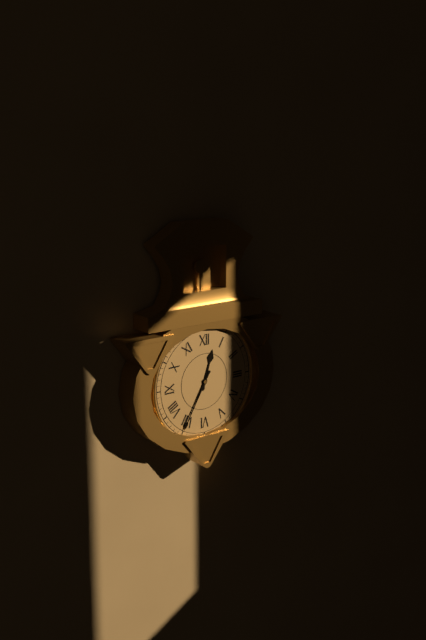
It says **12:35**
